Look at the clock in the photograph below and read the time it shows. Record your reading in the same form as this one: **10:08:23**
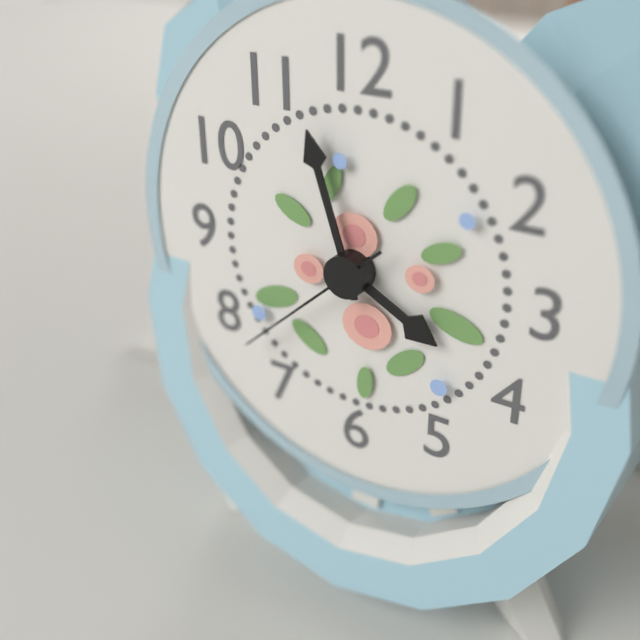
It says **3:57:38**
